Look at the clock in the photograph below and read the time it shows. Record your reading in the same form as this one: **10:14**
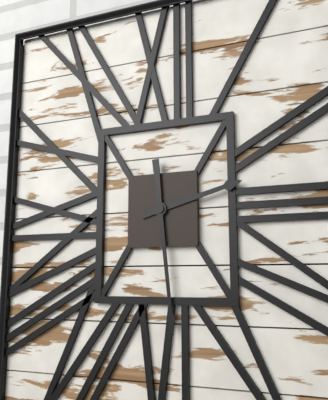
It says **2:29**
